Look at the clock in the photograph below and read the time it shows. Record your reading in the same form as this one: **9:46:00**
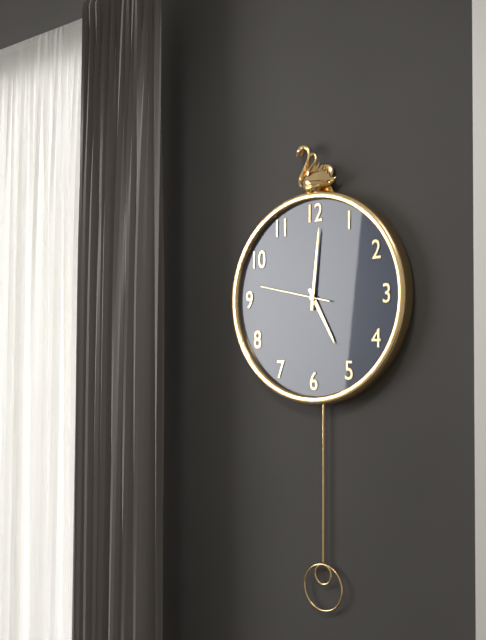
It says **5:01:47**
